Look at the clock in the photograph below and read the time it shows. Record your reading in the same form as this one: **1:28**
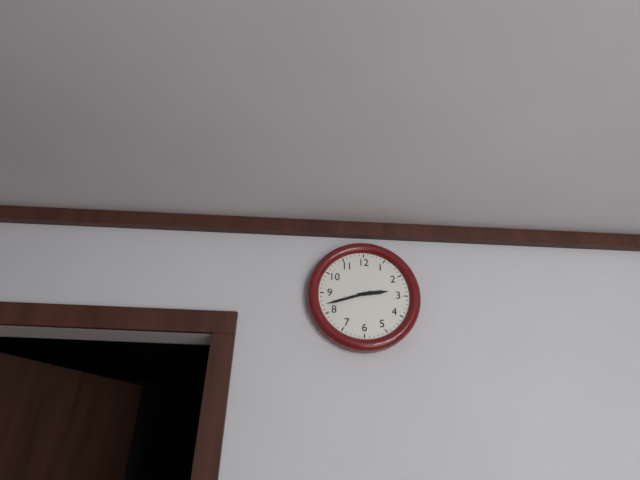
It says **2:42**
